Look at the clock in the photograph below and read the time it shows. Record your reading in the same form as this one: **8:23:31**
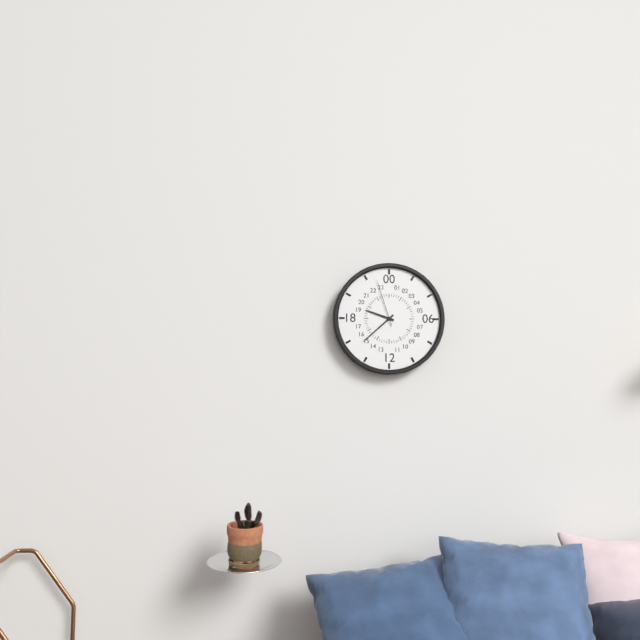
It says **9:38:57**
